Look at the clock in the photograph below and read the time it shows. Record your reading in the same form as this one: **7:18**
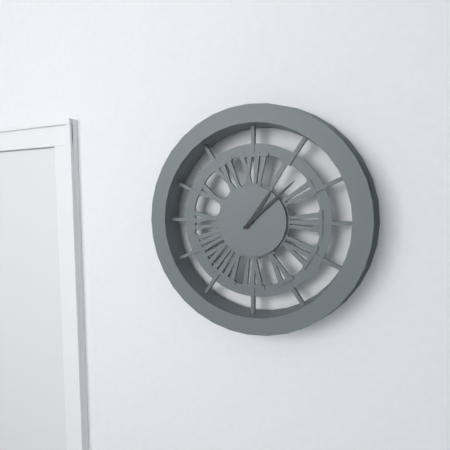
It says **1:08**
